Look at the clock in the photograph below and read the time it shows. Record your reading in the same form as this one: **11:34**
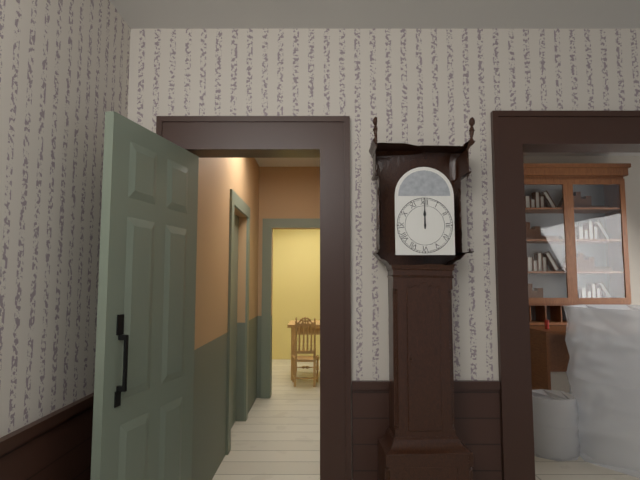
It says **12:00**
